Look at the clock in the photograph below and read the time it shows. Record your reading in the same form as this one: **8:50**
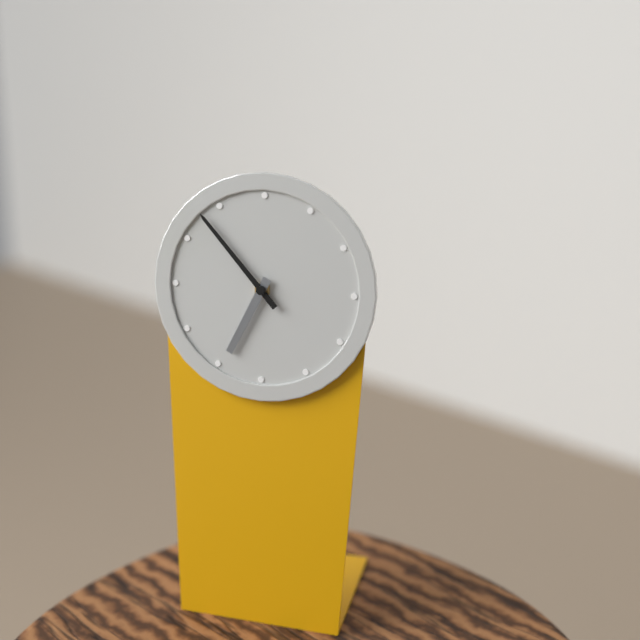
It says **6:53**
